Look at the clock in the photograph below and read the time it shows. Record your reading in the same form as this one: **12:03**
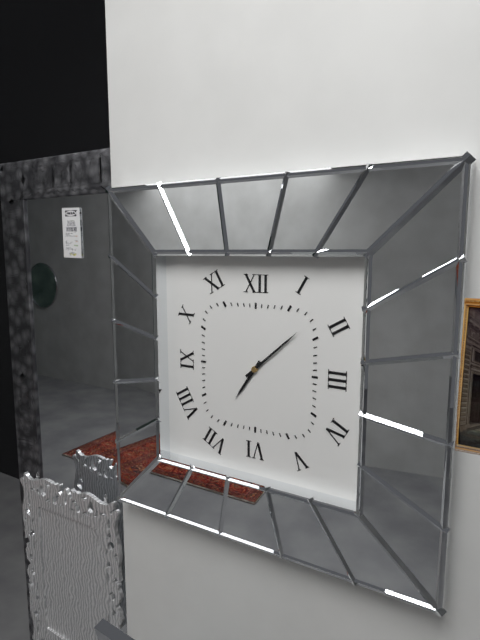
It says **7:08**
